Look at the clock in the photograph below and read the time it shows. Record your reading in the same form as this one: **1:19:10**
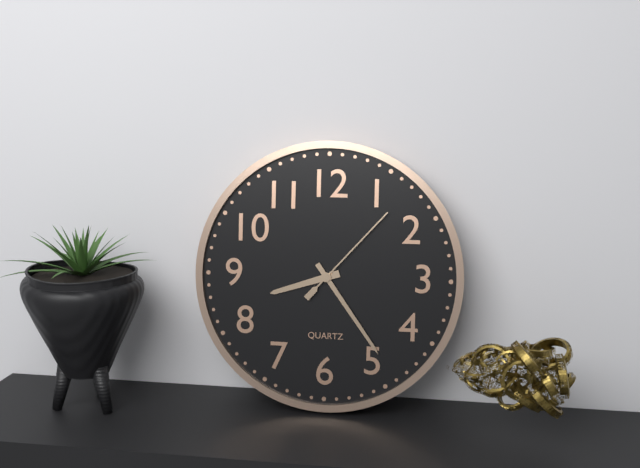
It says **8:24:07**
